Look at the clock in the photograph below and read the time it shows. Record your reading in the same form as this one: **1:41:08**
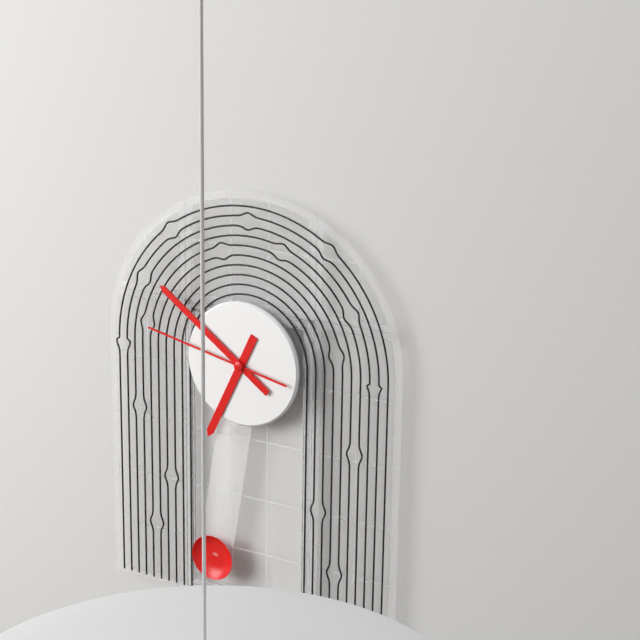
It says **6:51:47**
